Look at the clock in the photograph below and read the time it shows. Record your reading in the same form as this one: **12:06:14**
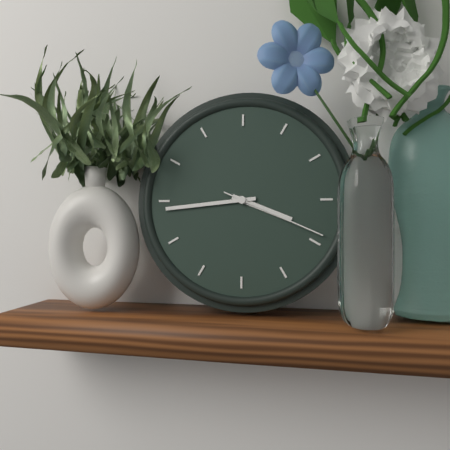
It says **3:44:19**
